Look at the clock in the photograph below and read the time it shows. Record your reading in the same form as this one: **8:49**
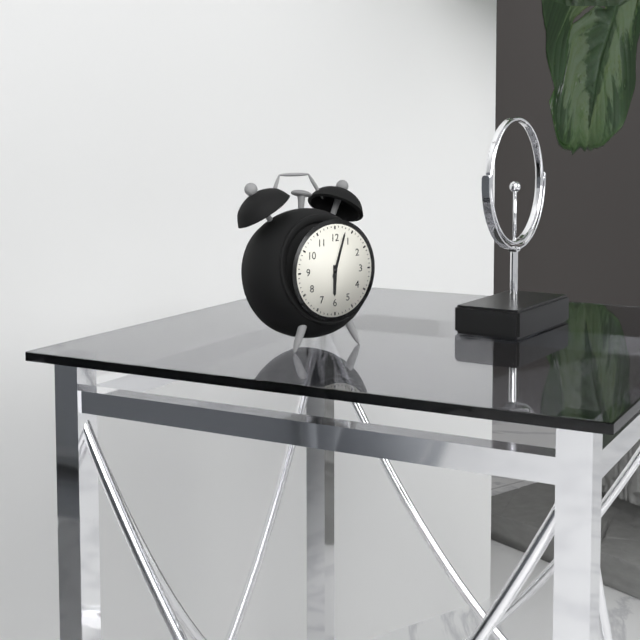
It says **6:03**
